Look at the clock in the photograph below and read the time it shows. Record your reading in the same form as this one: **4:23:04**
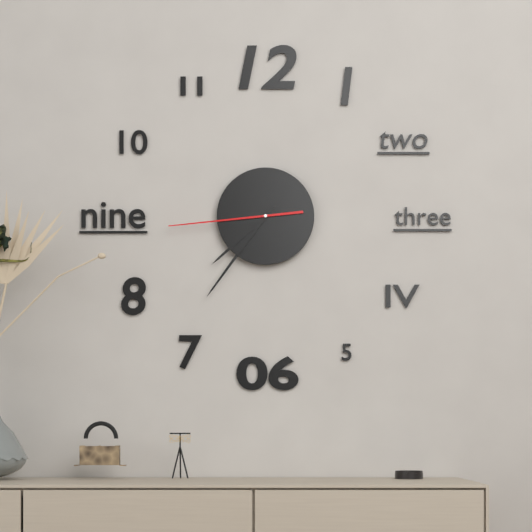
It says **7:36:44**
